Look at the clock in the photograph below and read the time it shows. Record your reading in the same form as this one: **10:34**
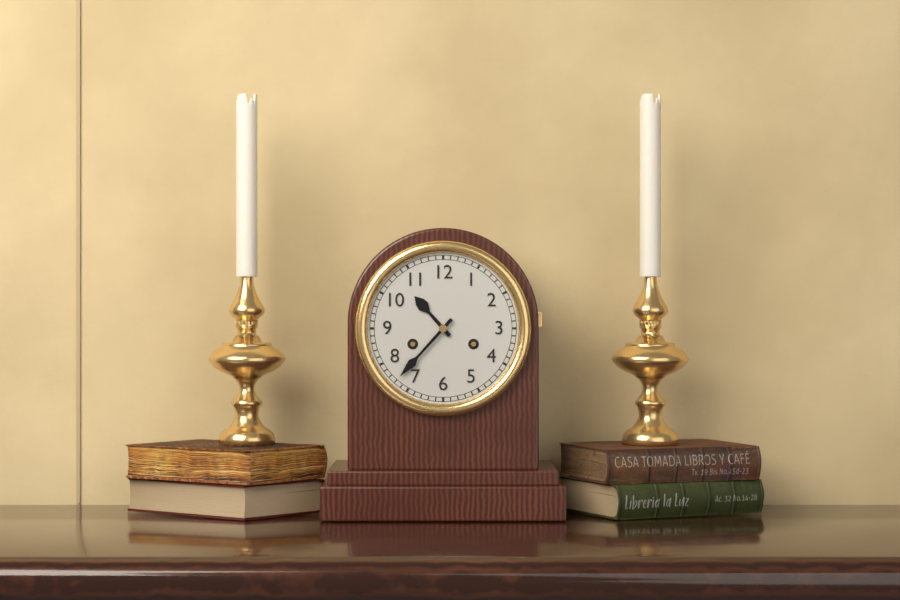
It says **10:37**
